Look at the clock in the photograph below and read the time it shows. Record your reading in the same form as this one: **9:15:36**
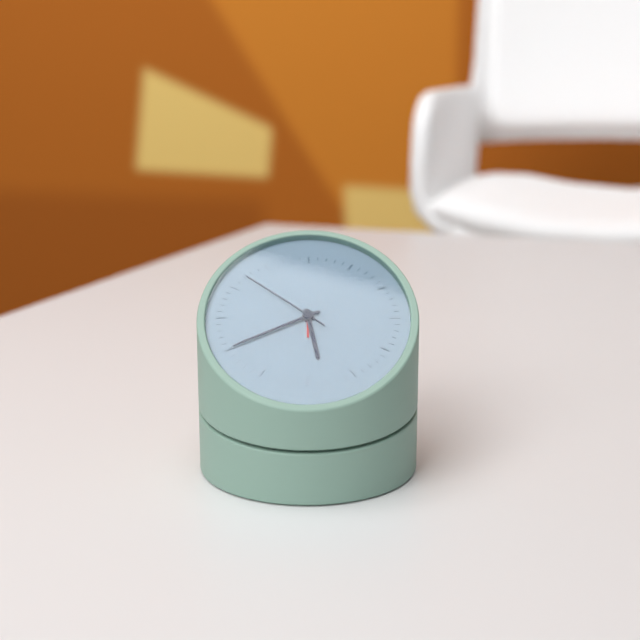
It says **5:40:52**
